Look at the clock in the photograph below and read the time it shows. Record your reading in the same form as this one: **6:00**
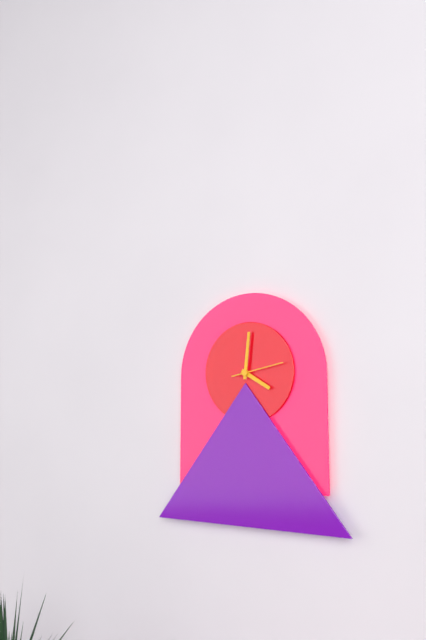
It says **4:01**
